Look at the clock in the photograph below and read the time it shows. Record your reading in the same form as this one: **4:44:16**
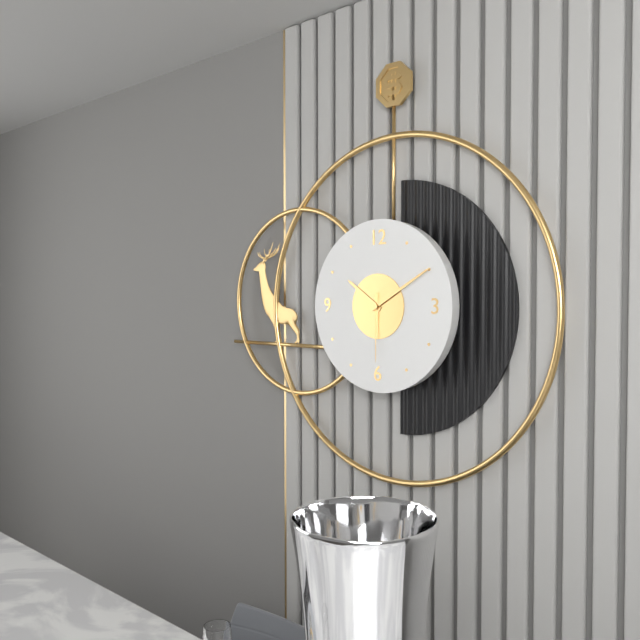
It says **10:10:30**
